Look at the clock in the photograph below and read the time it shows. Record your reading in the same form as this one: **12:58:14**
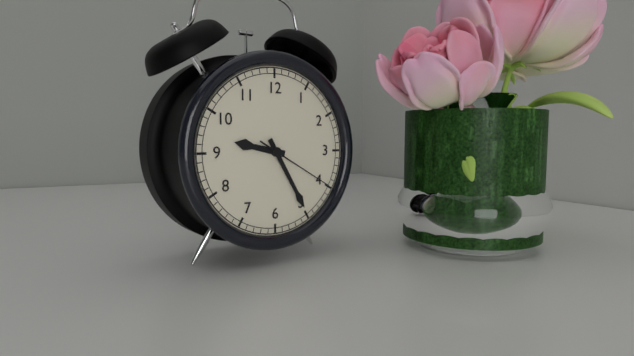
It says **9:25:20**
